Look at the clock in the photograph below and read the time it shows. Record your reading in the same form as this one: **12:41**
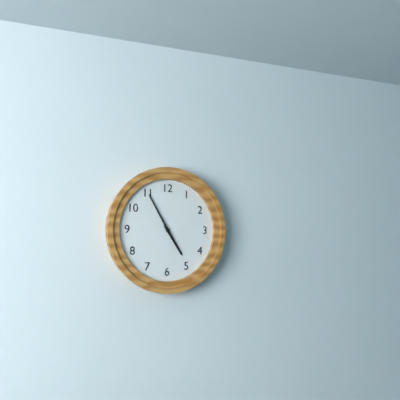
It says **4:55**
